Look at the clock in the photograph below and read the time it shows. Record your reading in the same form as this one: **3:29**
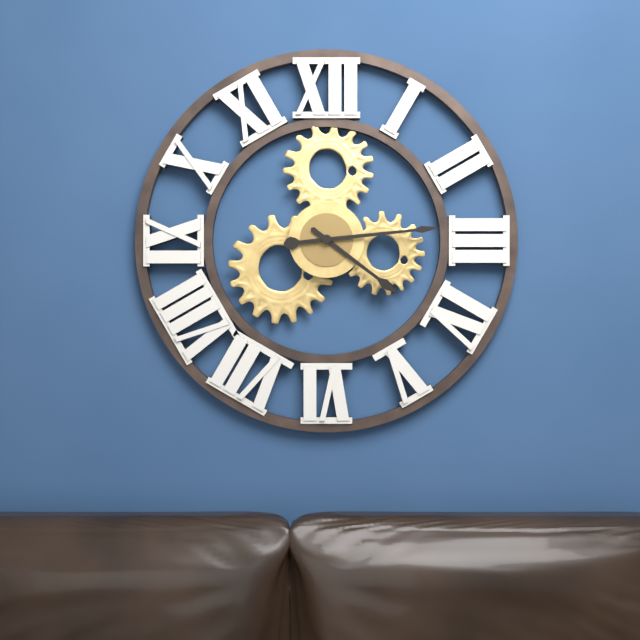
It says **4:14**
